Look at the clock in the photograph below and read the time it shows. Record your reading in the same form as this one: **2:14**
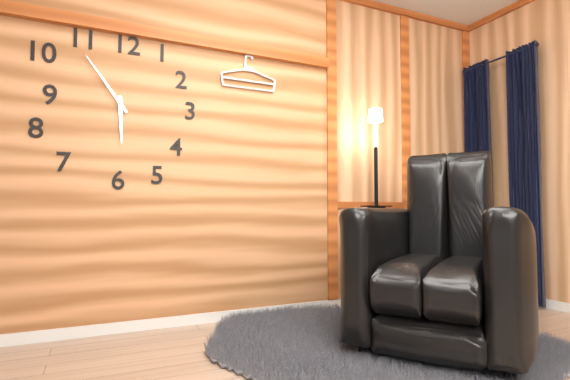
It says **5:54**
